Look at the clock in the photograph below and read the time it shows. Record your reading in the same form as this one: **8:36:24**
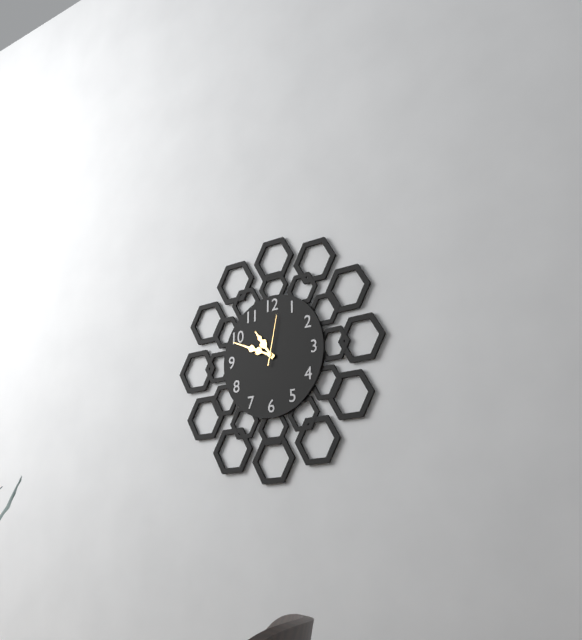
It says **10:49:02**
